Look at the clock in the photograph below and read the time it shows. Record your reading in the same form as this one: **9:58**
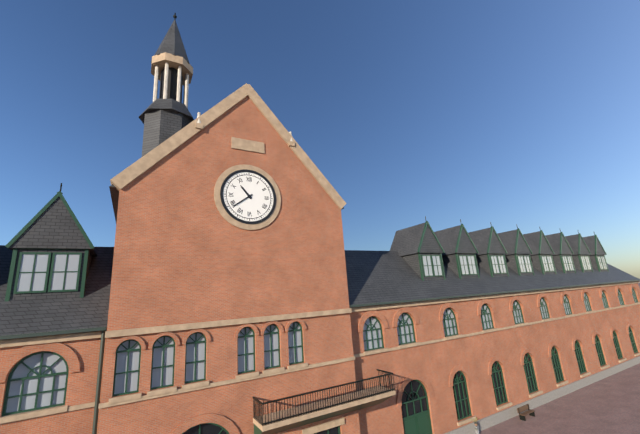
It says **10:39**
